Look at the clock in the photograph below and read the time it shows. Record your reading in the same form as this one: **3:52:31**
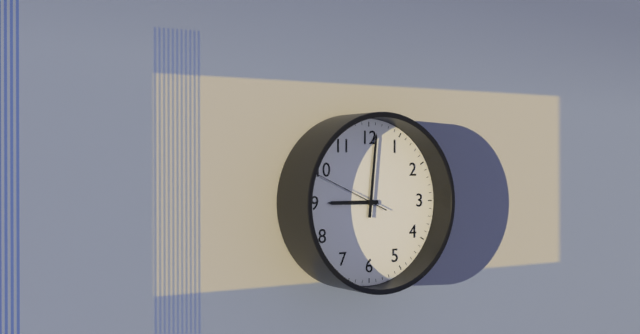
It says **9:01:49**
